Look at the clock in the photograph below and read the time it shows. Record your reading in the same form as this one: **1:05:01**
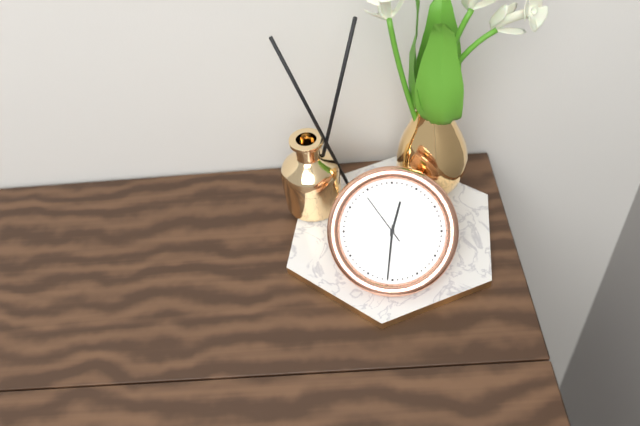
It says **12:31:54**
